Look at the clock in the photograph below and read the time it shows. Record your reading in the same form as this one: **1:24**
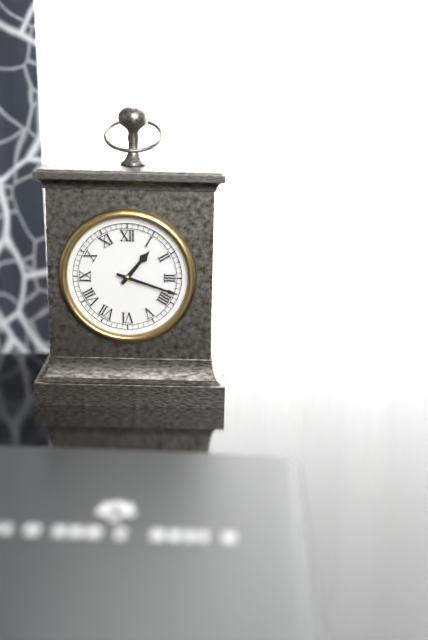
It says **1:18**
